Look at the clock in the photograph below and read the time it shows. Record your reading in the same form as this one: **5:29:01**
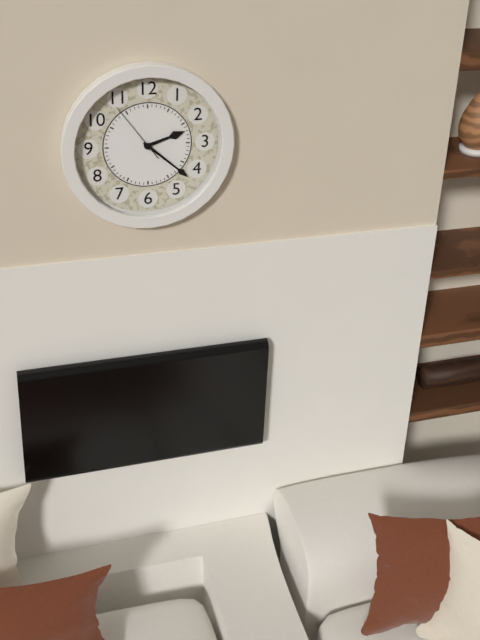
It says **2:22:54**
